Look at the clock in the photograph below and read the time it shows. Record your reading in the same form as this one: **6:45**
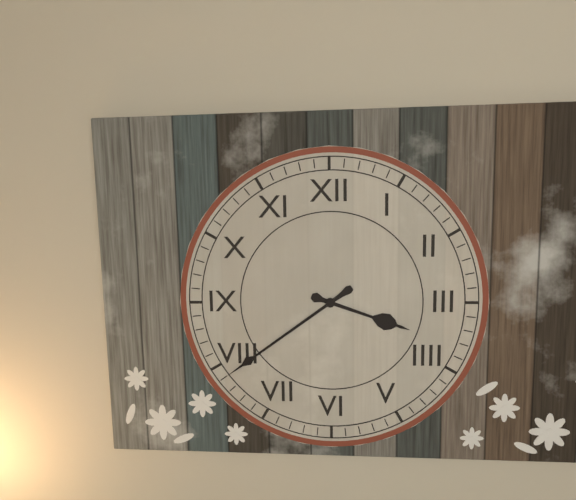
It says **3:39**
